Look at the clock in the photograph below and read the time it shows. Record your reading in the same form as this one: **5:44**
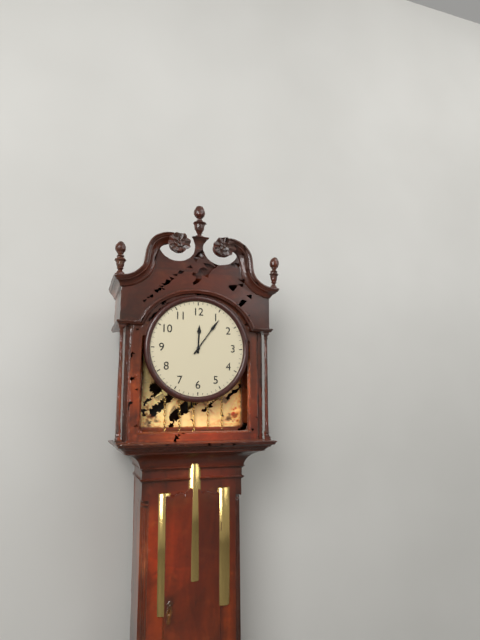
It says **12:06**
